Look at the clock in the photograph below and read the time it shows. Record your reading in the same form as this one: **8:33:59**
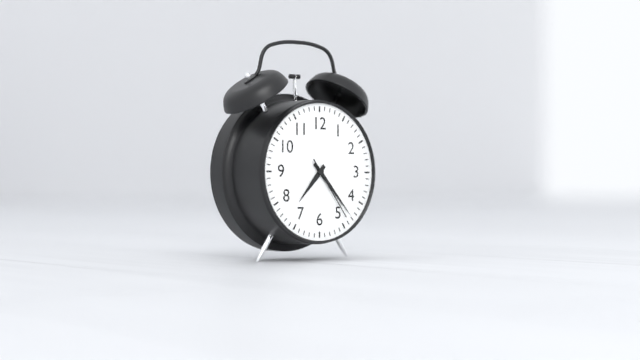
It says **7:23:24**
